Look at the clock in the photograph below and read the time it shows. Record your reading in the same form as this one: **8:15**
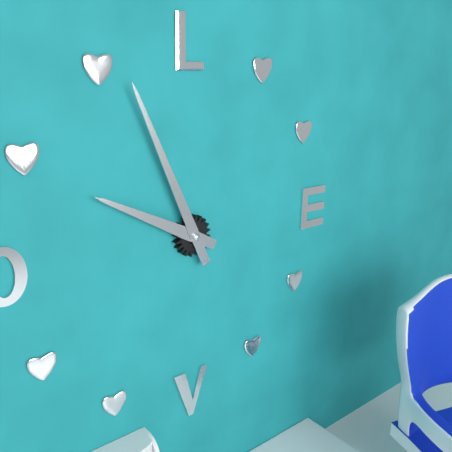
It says **9:56**
